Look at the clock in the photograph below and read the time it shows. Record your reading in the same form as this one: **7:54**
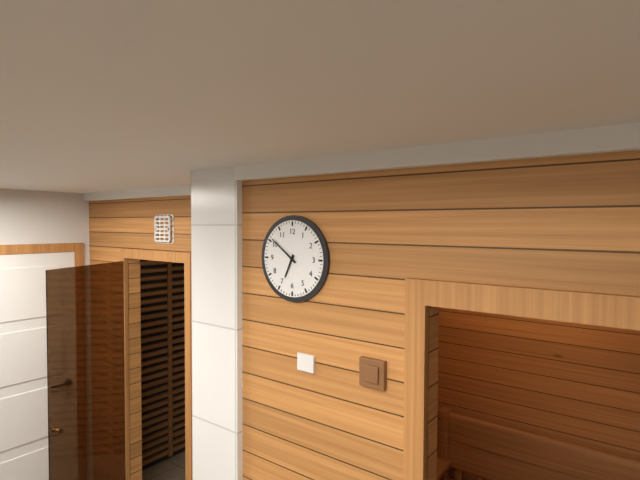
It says **6:51**
